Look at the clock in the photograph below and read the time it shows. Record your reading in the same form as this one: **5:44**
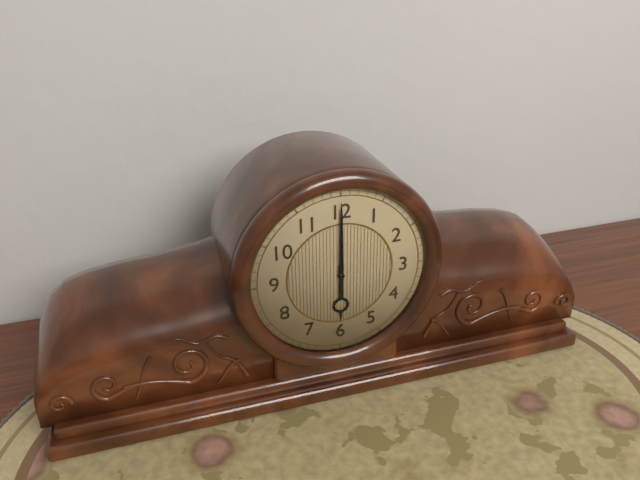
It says **6:00**
